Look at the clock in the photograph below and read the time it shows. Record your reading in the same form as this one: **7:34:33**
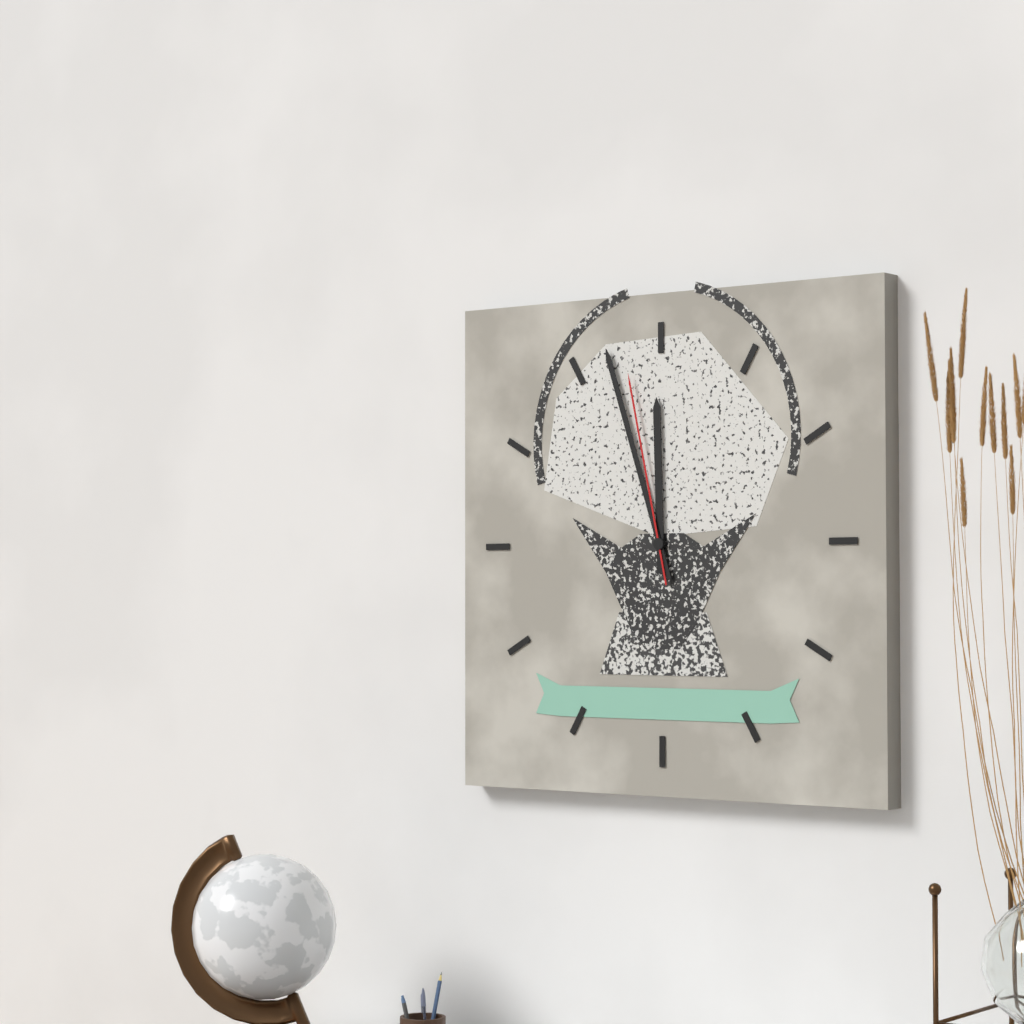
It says **11:57:58**
